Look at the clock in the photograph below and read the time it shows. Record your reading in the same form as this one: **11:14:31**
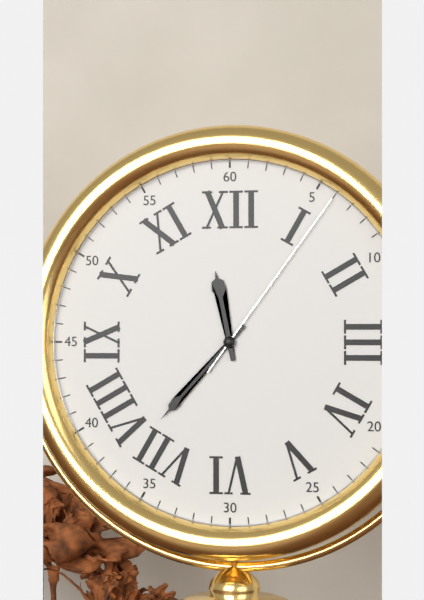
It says **11:37:06**
